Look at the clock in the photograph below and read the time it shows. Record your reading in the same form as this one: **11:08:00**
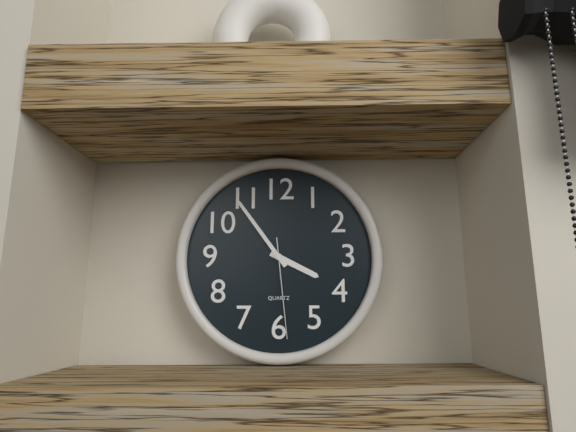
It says **3:54:29**
